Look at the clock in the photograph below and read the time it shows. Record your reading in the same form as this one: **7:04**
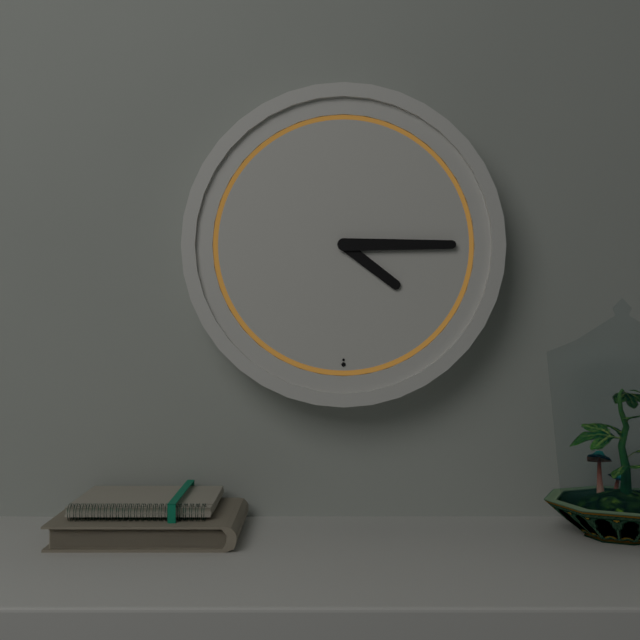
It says **4:15**
